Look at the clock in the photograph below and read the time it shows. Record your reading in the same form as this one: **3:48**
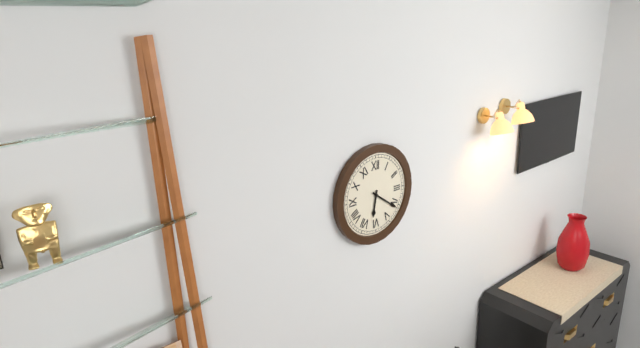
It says **6:21**
